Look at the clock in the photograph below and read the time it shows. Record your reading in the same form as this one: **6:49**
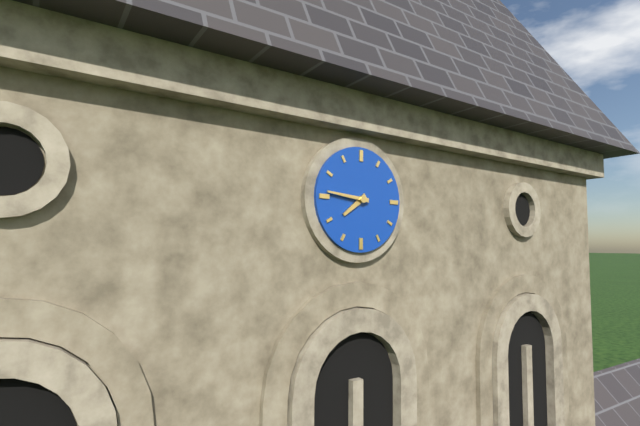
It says **7:46**
